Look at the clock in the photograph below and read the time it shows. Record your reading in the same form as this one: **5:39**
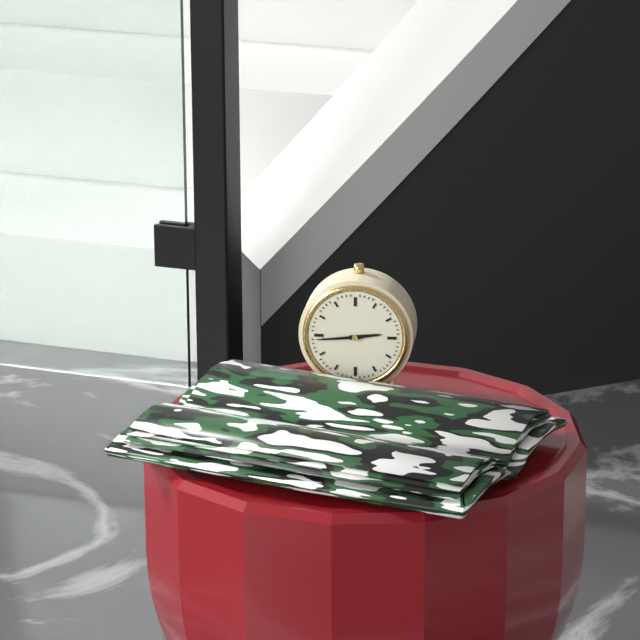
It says **2:44**
